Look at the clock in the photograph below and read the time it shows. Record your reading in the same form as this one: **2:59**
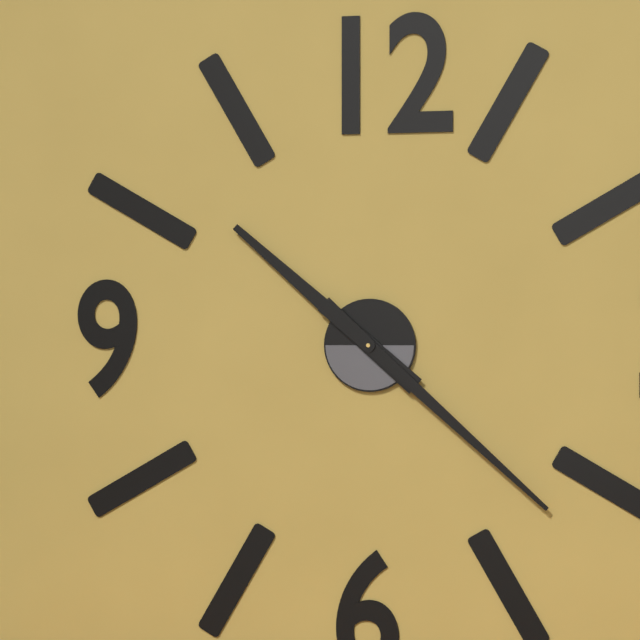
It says **10:22**
